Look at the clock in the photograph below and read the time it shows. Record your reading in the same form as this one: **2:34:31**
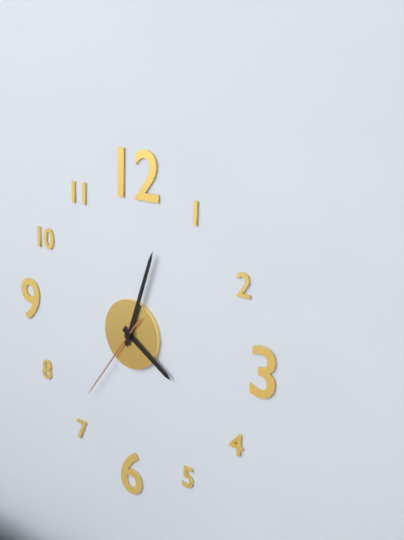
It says **4:03:36**
